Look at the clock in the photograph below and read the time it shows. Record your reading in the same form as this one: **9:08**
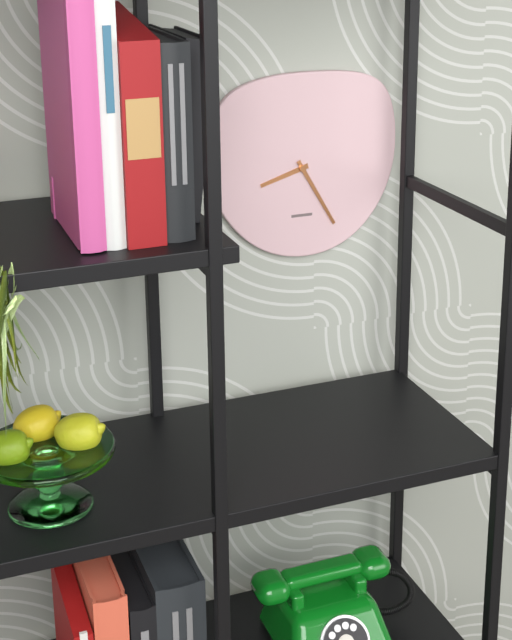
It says **8:25**
